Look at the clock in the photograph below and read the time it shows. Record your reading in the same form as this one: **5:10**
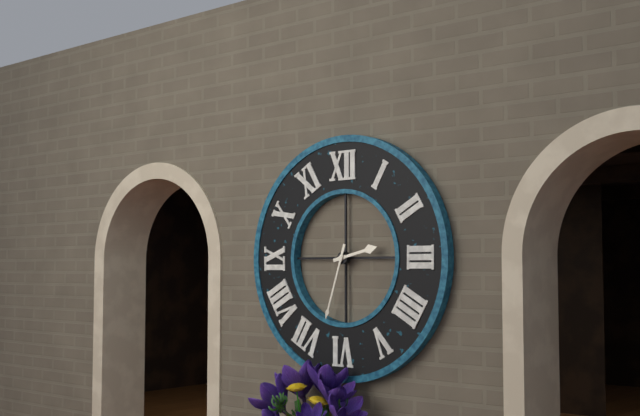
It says **2:33**
